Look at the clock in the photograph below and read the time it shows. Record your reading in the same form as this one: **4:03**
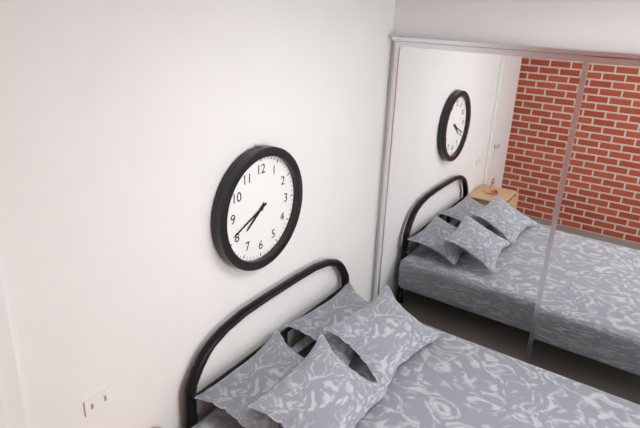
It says **7:41**
